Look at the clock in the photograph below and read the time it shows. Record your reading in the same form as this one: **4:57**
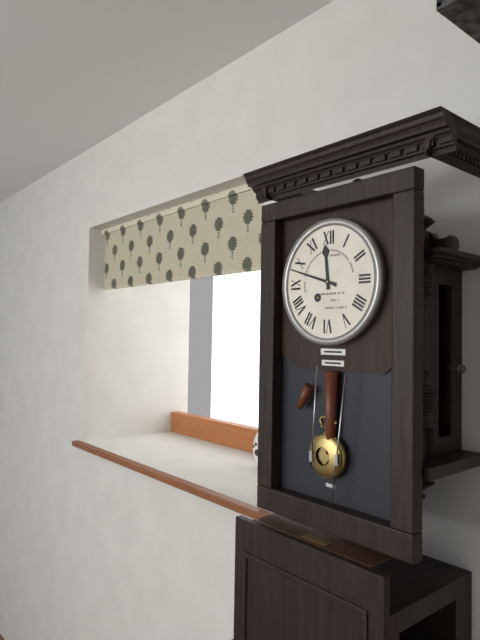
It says **11:48**
